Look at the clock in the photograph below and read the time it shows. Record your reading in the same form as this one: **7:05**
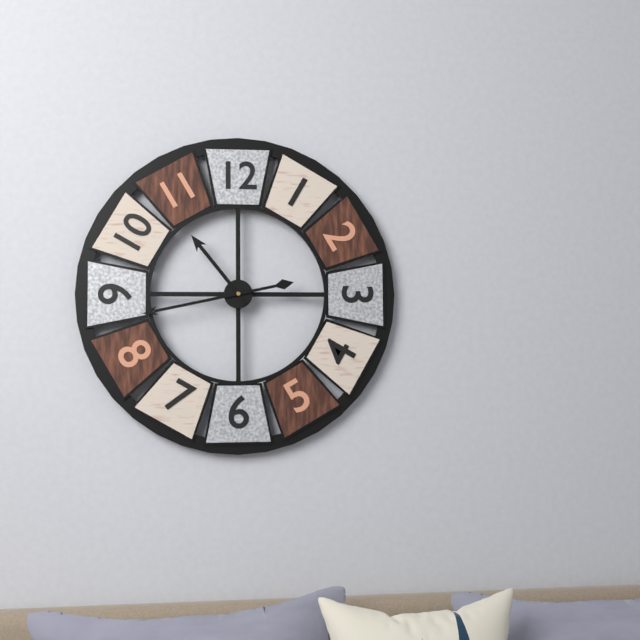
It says **10:43**
